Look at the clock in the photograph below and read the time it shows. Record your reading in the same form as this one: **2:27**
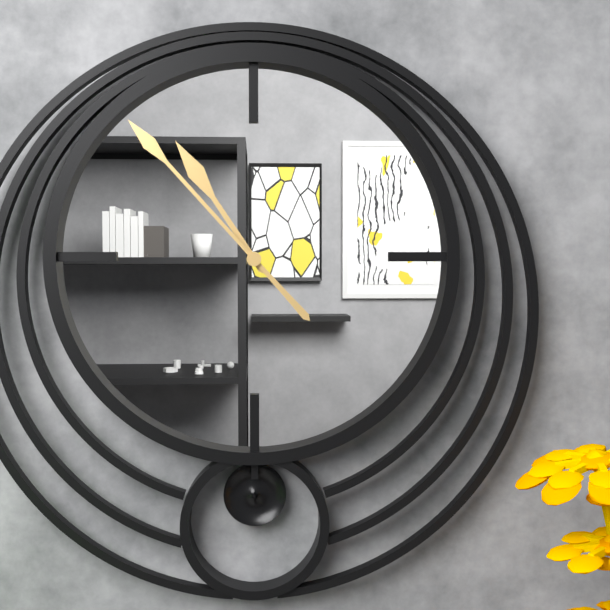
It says **10:53**
